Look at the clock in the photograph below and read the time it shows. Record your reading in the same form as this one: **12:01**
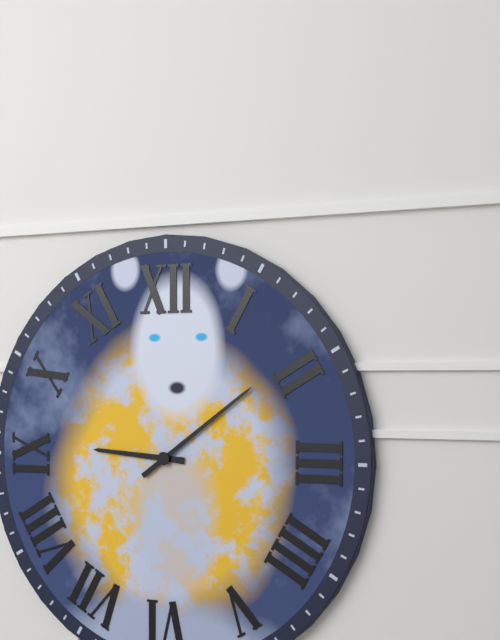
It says **9:09**
